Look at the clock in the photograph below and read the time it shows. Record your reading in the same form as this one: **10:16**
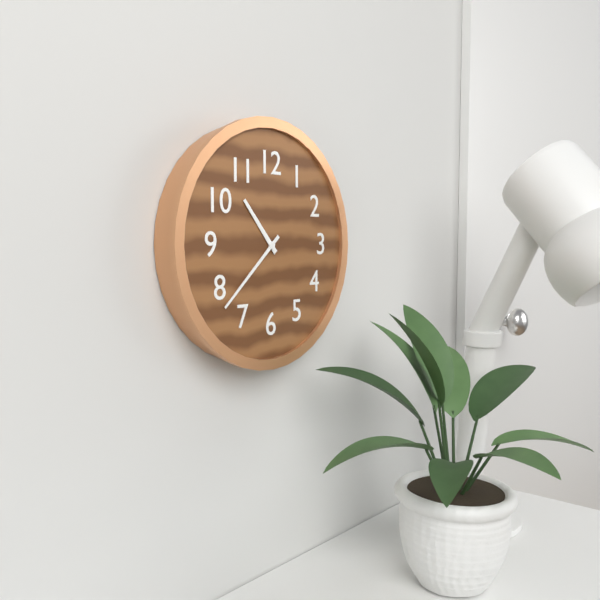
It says **10:38**
